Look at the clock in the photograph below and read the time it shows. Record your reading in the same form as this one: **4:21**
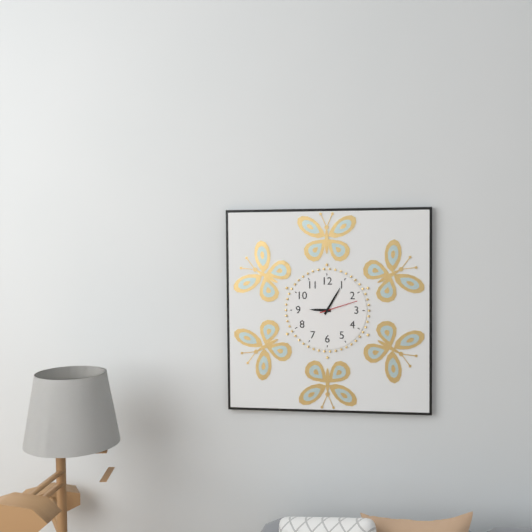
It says **9:05**
